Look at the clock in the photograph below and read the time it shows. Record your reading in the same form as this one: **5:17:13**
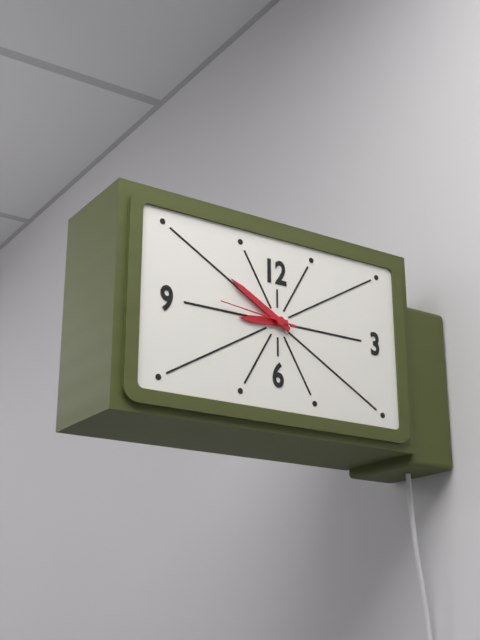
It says **8:50:46**
